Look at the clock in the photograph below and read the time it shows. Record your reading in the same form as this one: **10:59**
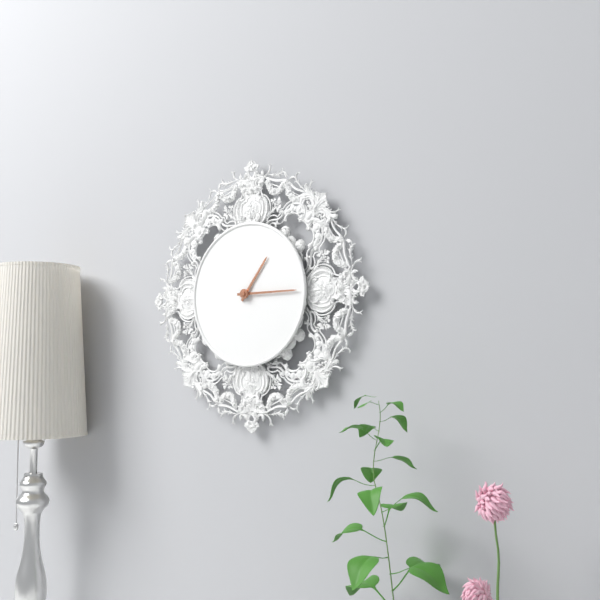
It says **1:15**
